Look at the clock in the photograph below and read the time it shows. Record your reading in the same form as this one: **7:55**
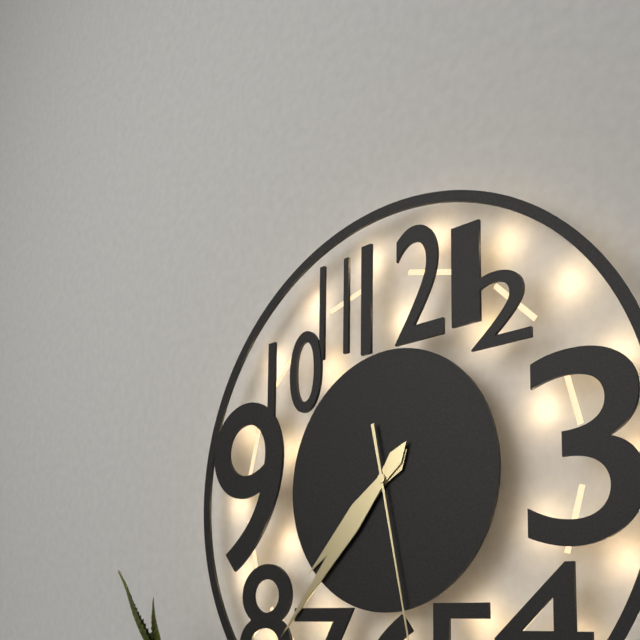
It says **7:37**
